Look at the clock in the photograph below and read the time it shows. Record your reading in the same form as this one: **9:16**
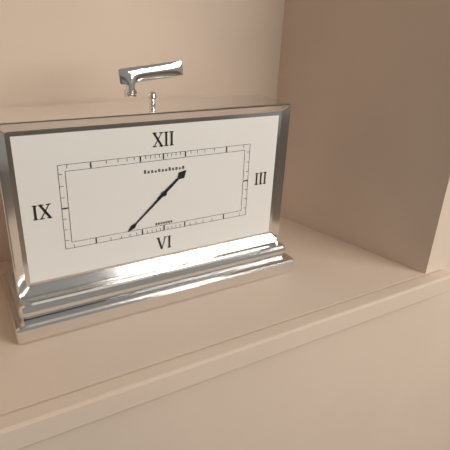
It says **1:38**
